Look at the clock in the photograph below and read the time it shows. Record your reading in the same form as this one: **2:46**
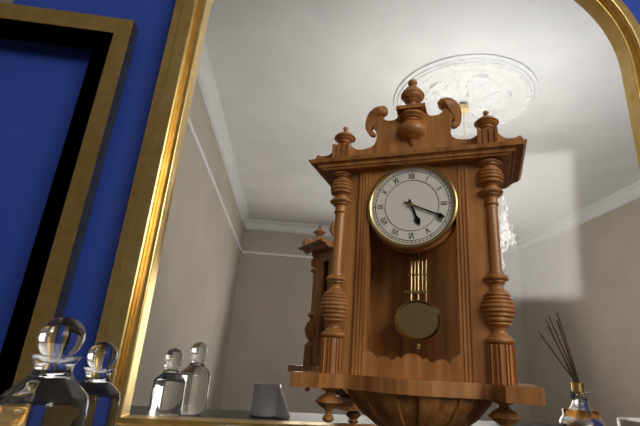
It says **5:19**
